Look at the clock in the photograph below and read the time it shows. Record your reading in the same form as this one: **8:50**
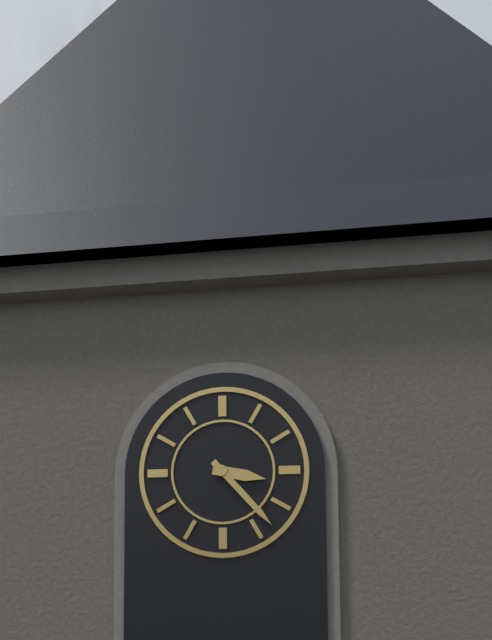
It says **3:23**
